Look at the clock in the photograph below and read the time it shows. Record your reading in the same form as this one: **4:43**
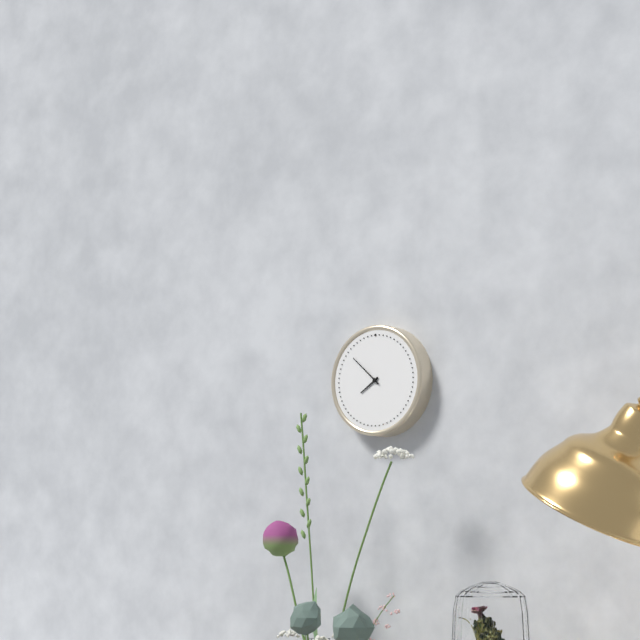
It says **7:52**
